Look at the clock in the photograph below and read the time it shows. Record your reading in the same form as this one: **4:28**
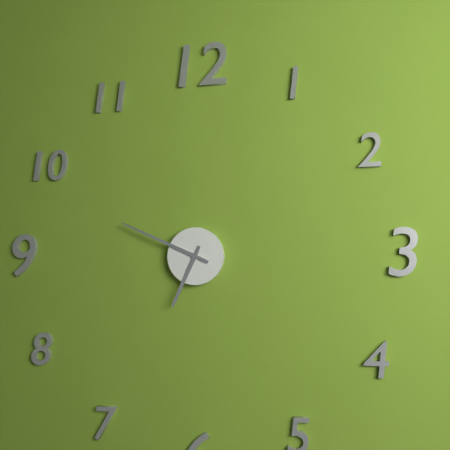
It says **6:49**
